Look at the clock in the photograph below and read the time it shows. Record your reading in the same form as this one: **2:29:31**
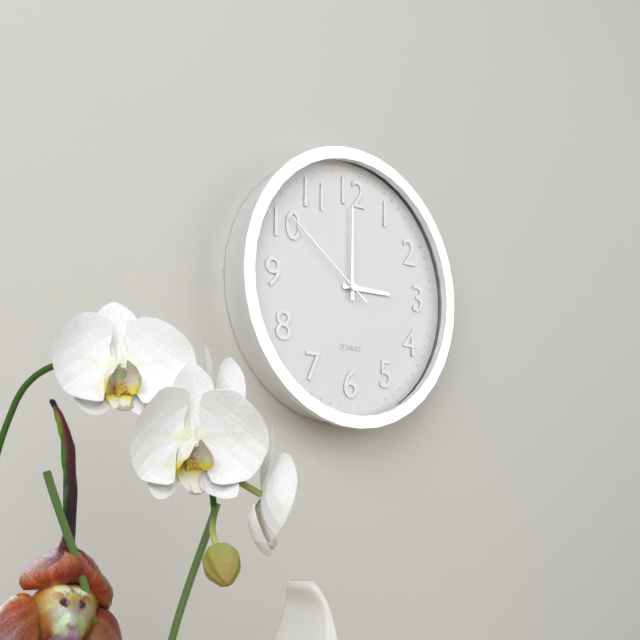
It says **3:00:51**
